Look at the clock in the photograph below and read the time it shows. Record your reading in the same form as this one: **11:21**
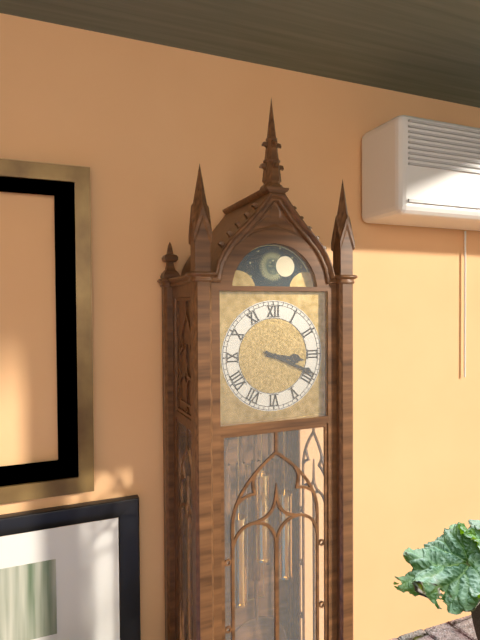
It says **3:19**
